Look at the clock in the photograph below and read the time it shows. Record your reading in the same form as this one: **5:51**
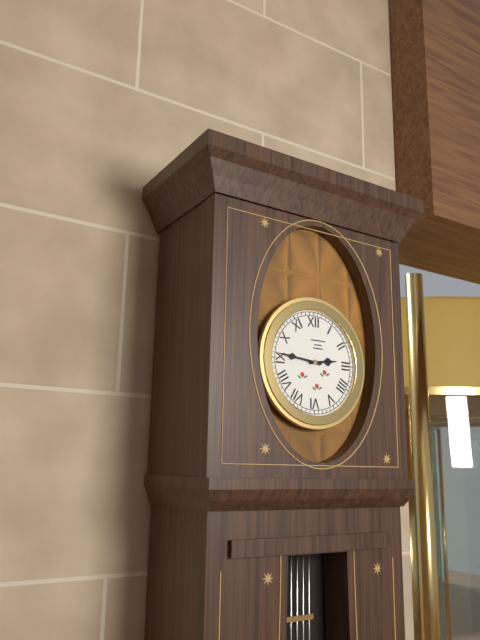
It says **2:46**
